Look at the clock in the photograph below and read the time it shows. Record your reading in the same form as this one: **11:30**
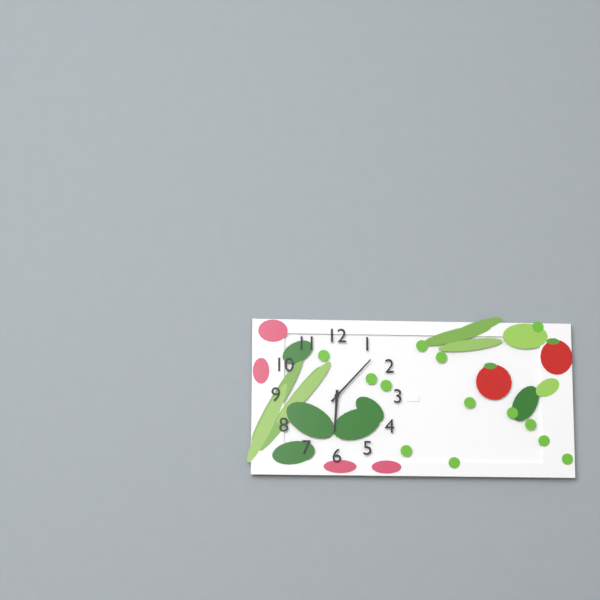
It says **6:07**
